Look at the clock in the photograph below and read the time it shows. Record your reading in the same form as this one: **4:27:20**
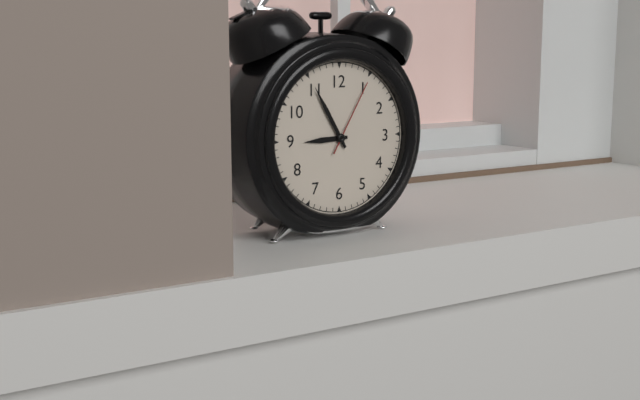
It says **8:55:05**
